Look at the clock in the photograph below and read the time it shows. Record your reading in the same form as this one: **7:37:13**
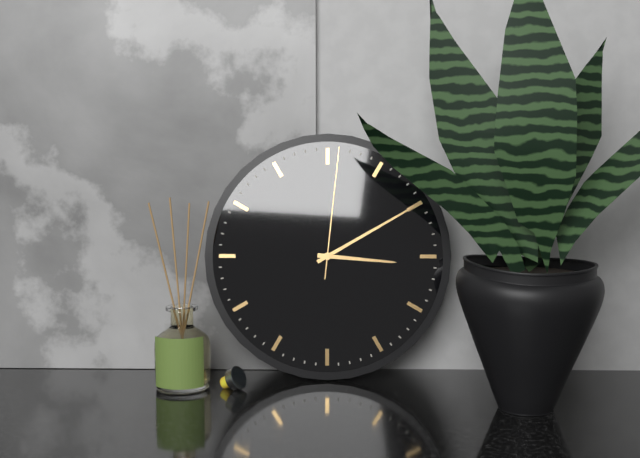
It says **3:10:01**
